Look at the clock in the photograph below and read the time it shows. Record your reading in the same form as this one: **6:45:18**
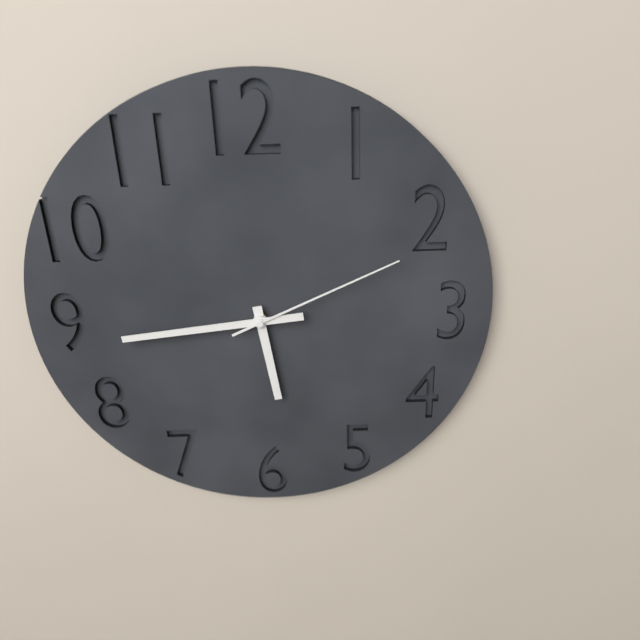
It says **5:44:11**
